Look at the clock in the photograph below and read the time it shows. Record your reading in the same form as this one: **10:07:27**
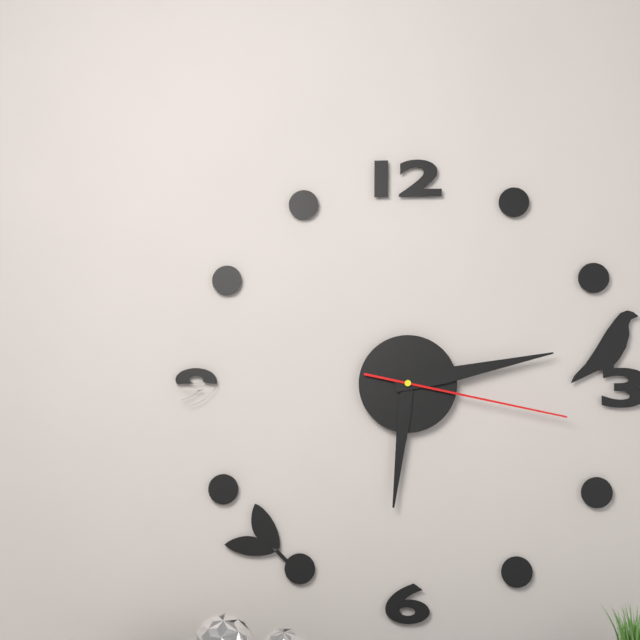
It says **6:13:17**
